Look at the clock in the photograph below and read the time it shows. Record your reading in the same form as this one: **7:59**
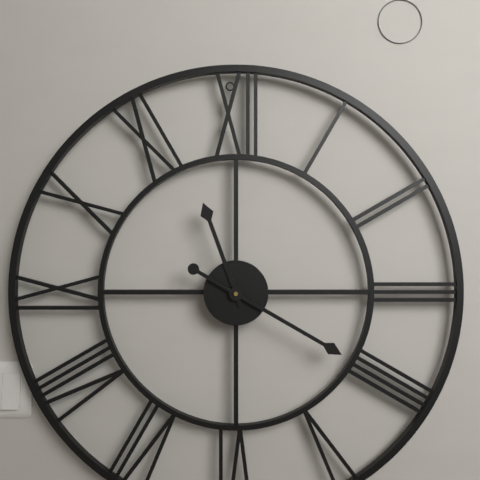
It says **11:20**
